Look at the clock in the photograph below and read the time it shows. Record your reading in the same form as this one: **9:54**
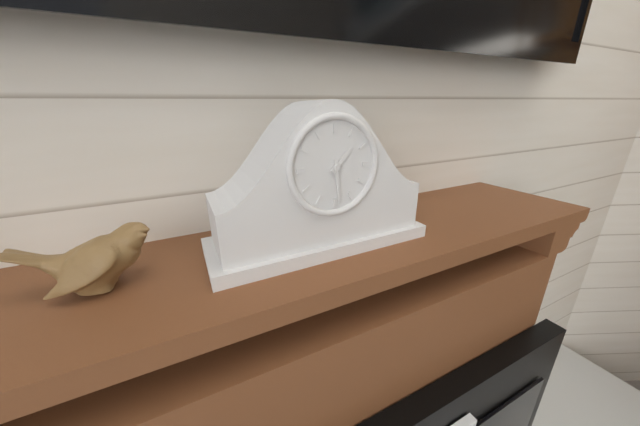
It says **1:29**
